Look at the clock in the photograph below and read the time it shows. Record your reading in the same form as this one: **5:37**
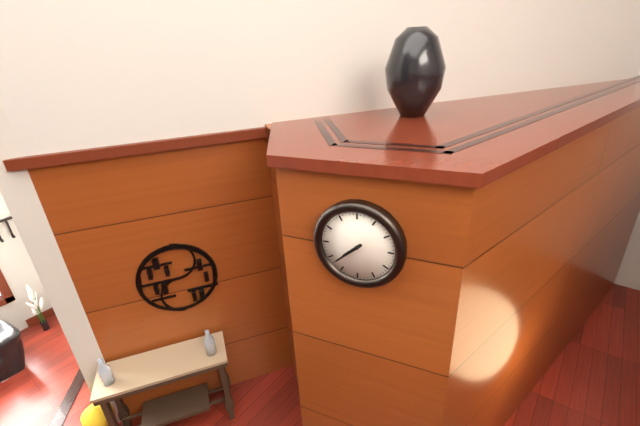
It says **7:38**
